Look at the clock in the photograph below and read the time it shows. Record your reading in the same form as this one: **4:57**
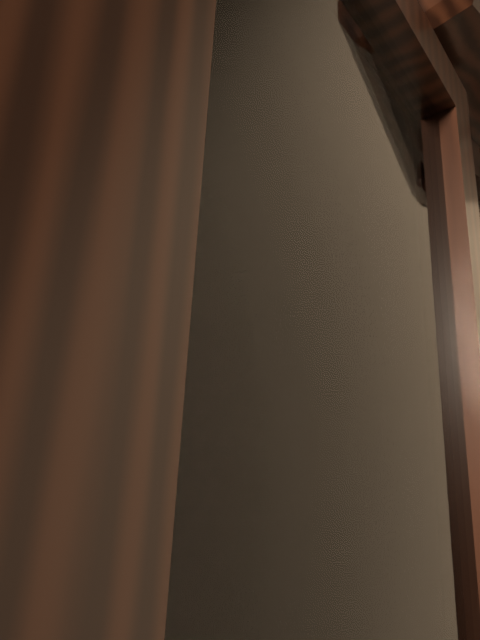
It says **5:50**
